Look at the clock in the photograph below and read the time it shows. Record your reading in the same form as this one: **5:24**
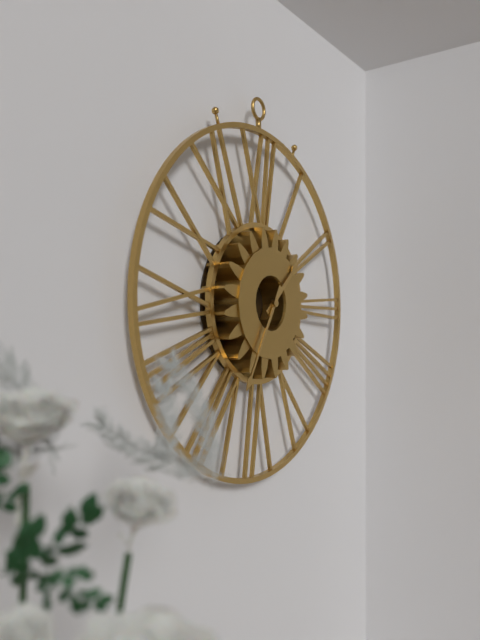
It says **1:35**
